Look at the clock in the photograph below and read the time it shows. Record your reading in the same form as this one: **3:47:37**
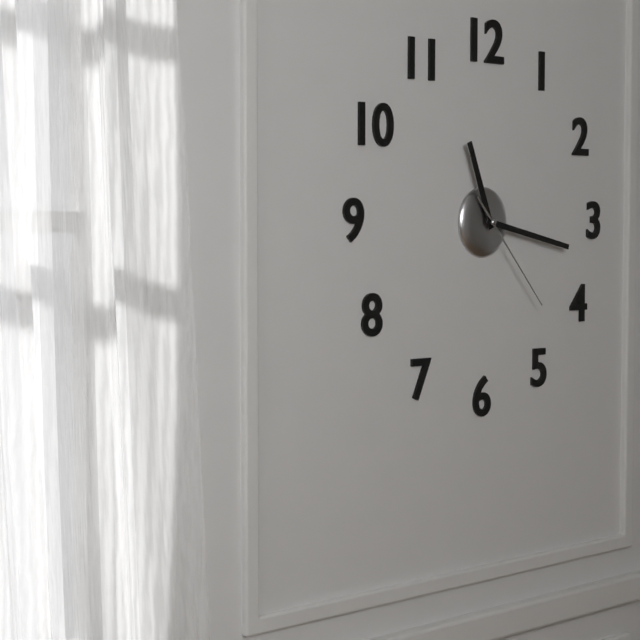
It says **11:17:23**
